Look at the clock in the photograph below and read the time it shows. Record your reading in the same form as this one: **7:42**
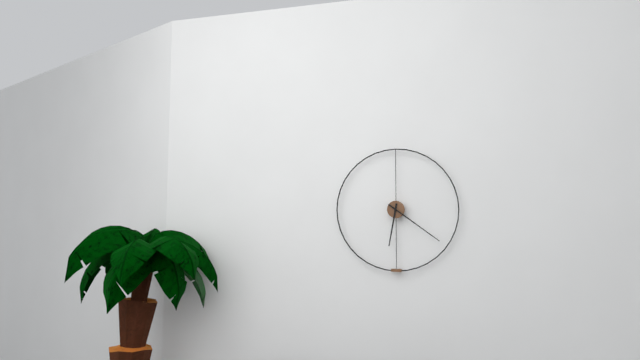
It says **6:21**
